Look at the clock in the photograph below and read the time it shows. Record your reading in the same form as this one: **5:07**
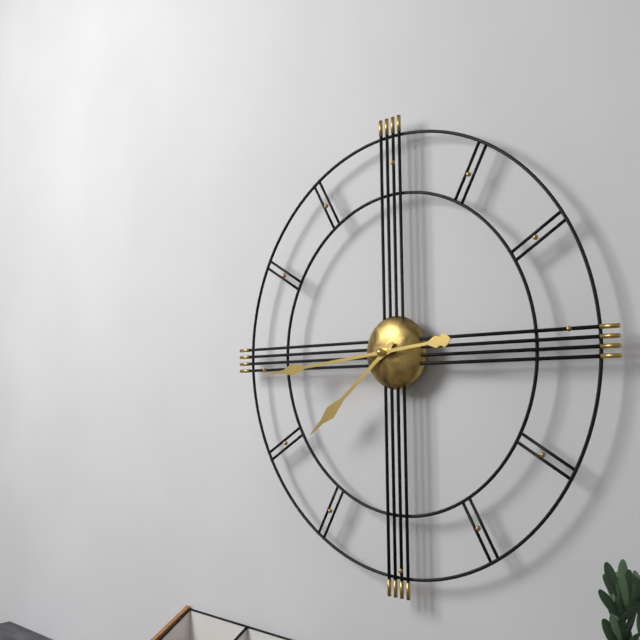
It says **7:44**
